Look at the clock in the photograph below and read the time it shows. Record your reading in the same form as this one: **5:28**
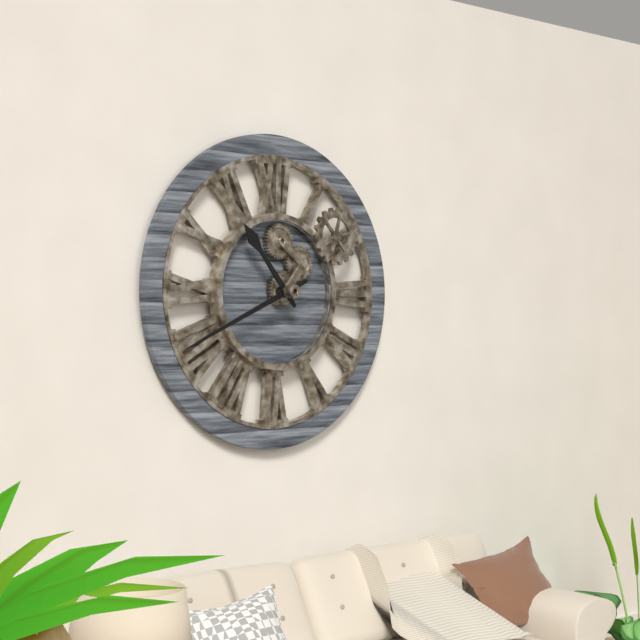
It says **10:41**
